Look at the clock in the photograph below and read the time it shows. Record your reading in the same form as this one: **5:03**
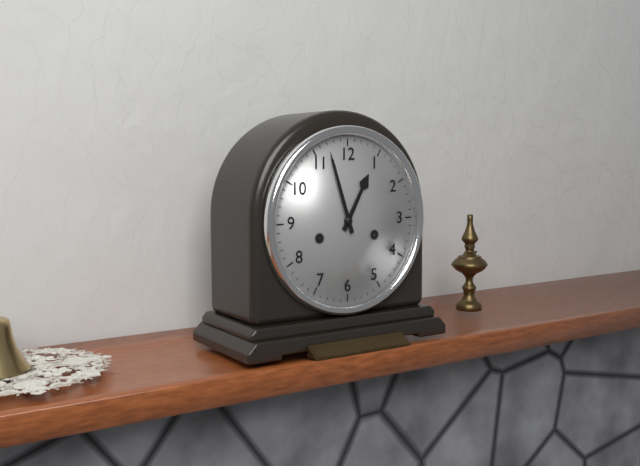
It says **12:57**
